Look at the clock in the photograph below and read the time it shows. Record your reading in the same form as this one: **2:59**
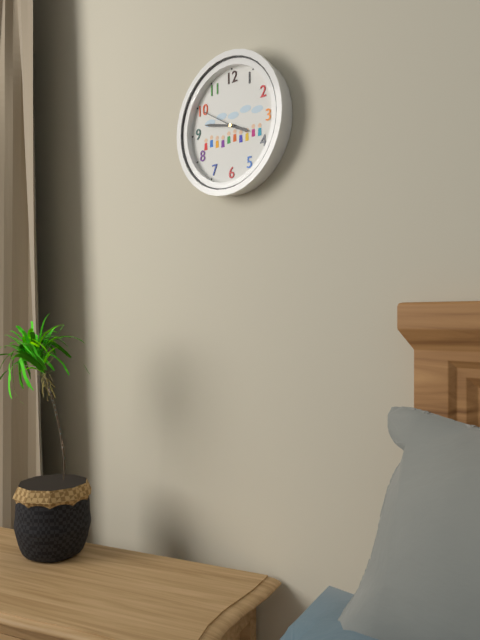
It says **3:47**
